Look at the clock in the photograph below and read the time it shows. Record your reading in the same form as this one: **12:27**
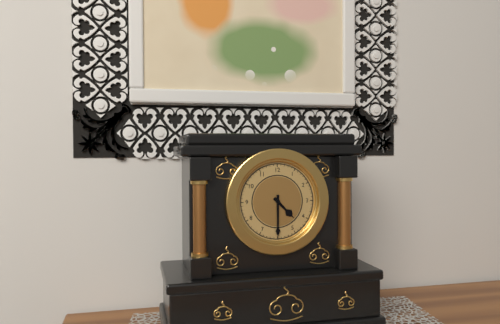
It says **4:30**
